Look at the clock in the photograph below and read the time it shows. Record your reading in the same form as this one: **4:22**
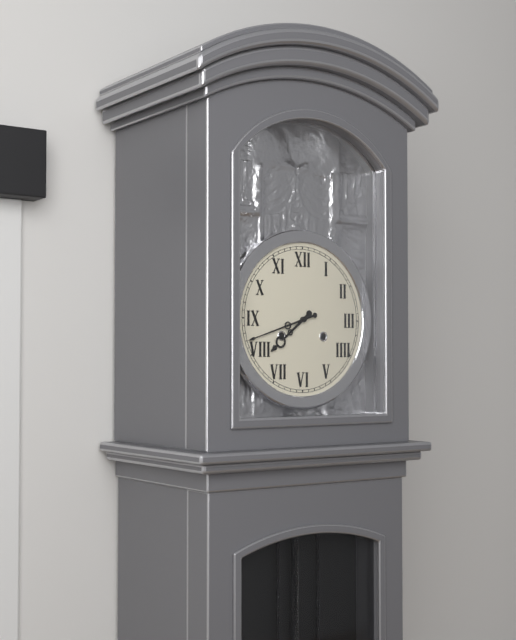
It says **7:42**
